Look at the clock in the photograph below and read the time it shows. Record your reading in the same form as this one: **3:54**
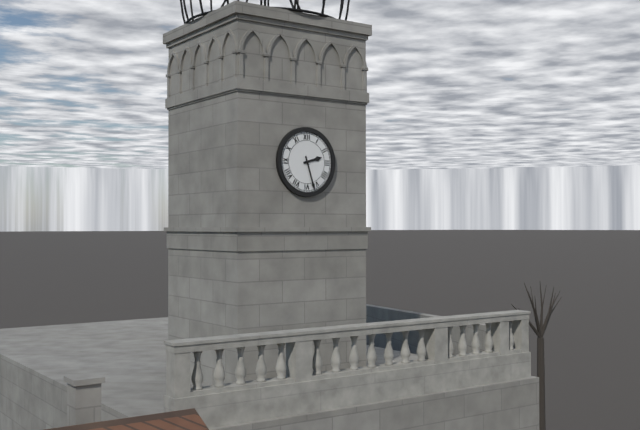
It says **2:27**
